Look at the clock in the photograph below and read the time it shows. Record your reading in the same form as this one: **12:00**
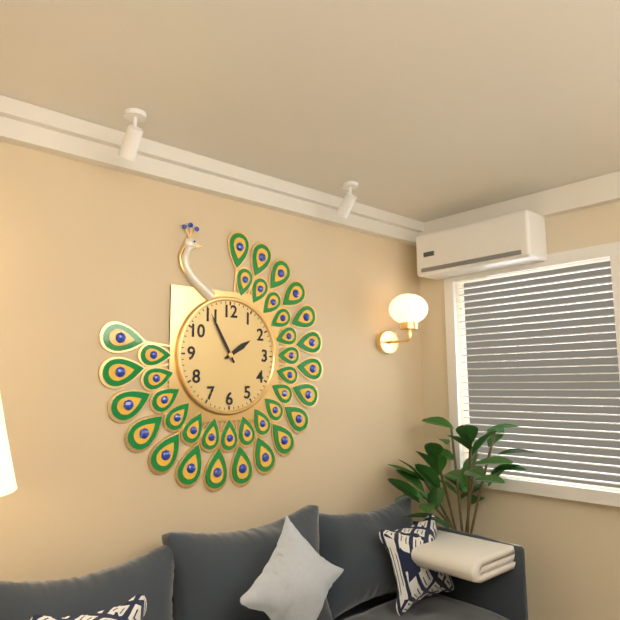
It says **1:55**
